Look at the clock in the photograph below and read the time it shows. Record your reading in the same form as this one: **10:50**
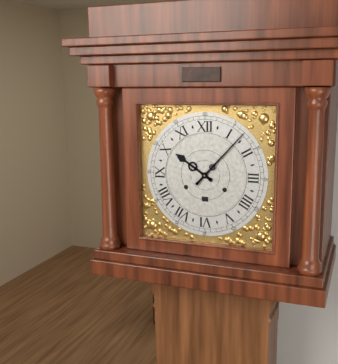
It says **10:07**
